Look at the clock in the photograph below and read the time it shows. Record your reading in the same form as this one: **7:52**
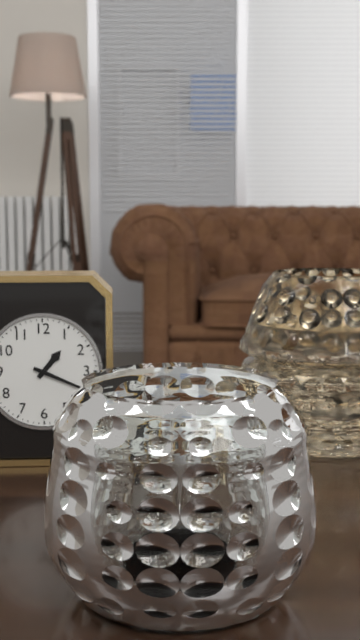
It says **1:19**
